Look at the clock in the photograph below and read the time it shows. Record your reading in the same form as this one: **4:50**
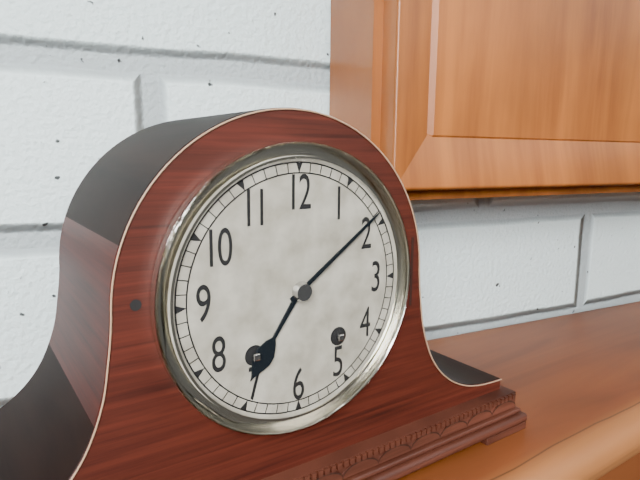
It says **7:09**
